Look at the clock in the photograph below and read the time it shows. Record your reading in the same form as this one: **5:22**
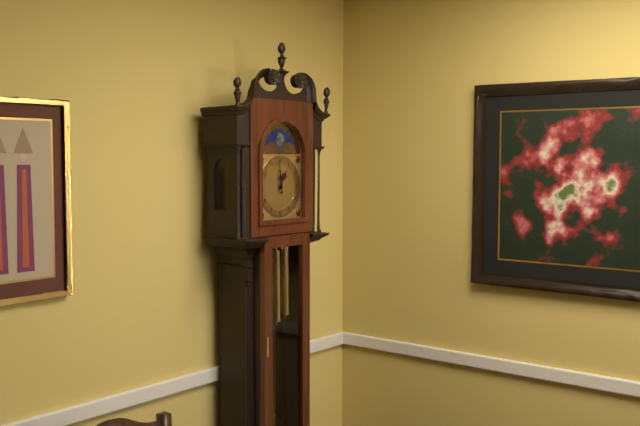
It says **12:59**
